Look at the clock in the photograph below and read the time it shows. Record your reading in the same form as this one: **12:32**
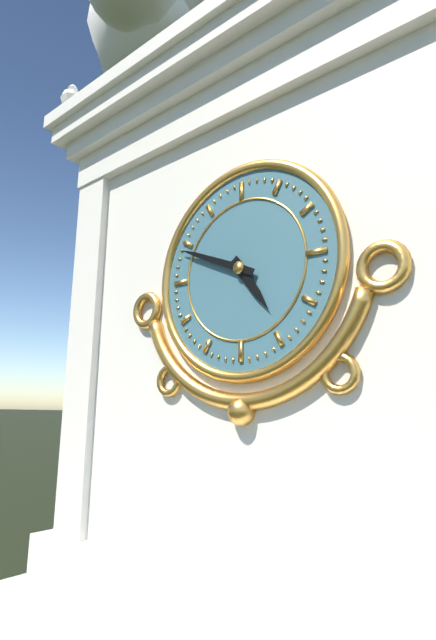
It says **4:49**
